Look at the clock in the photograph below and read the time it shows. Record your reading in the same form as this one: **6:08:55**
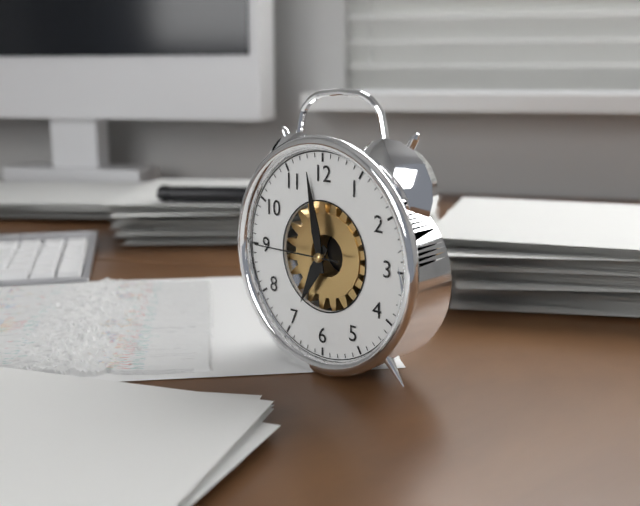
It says **6:58:45**
